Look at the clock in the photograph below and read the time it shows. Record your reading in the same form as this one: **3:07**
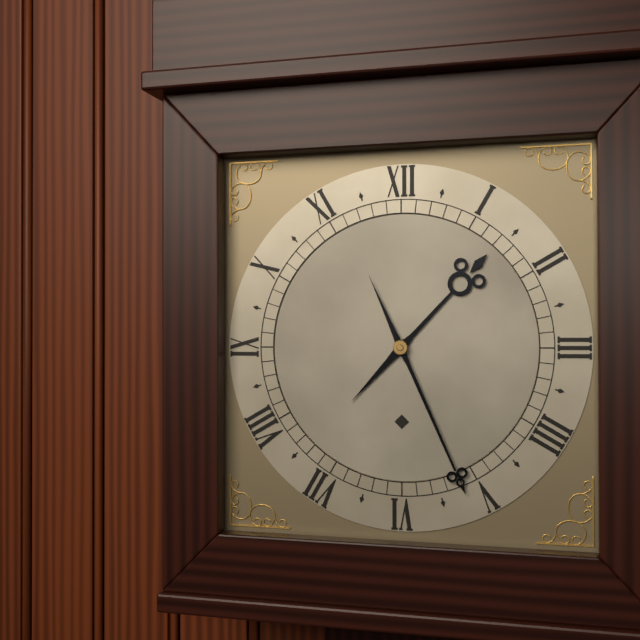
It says **1:26**
